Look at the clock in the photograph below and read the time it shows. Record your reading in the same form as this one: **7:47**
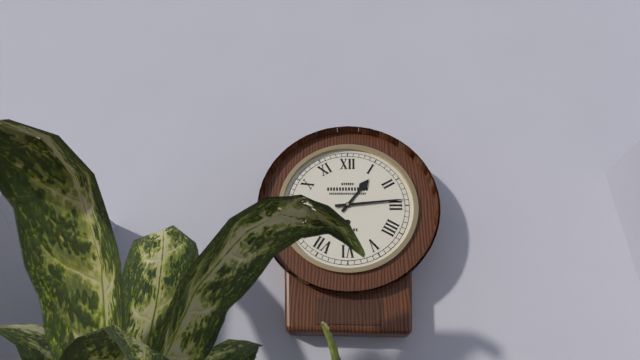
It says **1:14**
